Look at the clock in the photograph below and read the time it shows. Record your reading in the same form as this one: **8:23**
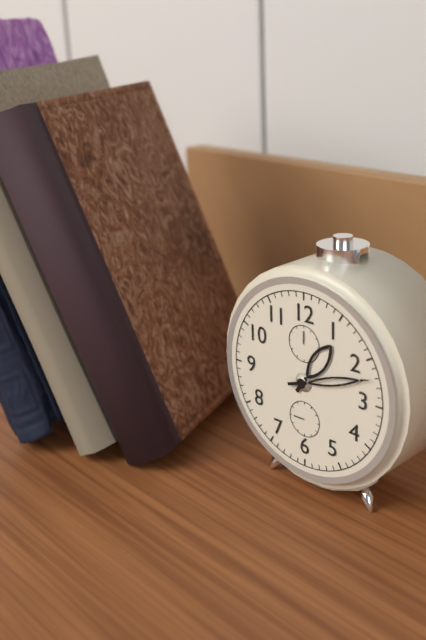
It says **1:12**
